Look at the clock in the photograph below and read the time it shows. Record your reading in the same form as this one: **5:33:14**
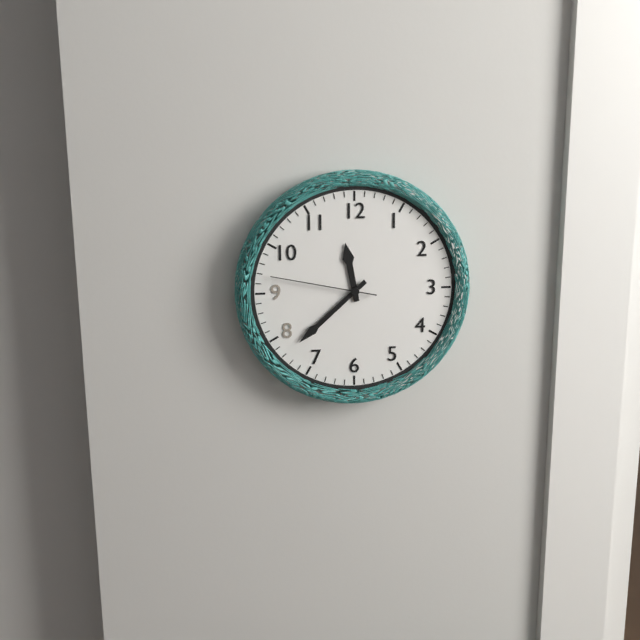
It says **11:38:47**
